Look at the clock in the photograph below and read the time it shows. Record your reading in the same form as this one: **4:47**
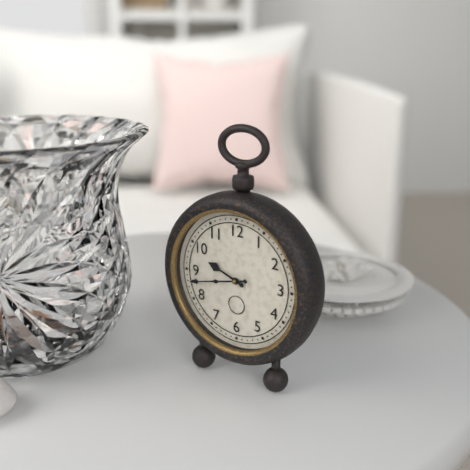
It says **9:43**
